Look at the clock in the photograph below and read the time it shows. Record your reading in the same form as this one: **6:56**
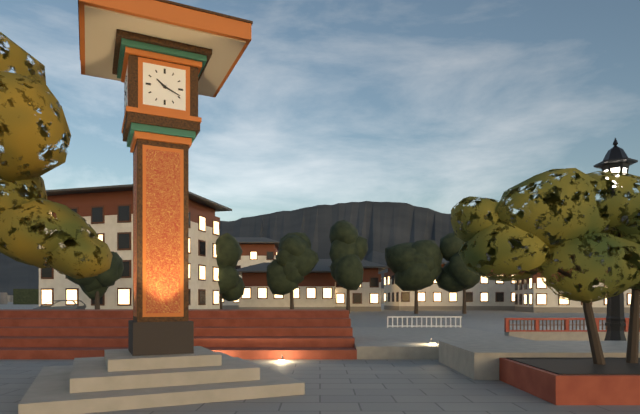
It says **10:19**
